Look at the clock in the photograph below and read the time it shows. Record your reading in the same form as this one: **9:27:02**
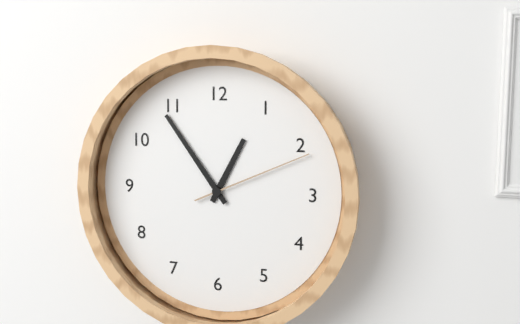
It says **12:54:11**
